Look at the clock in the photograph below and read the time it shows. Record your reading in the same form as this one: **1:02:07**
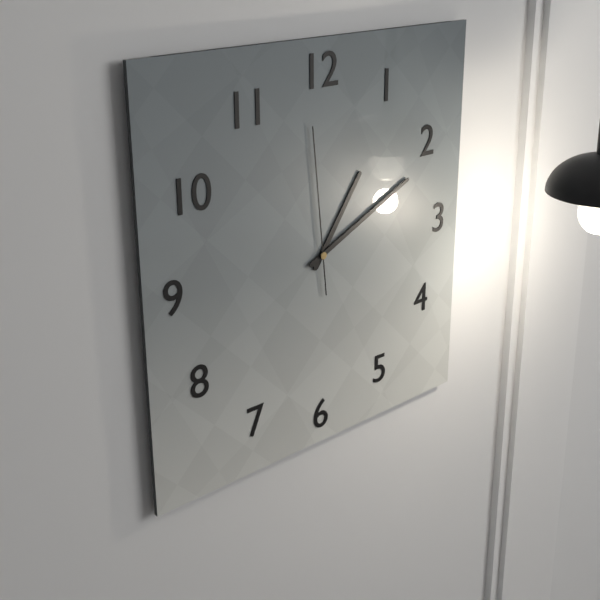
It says **1:11:59**
